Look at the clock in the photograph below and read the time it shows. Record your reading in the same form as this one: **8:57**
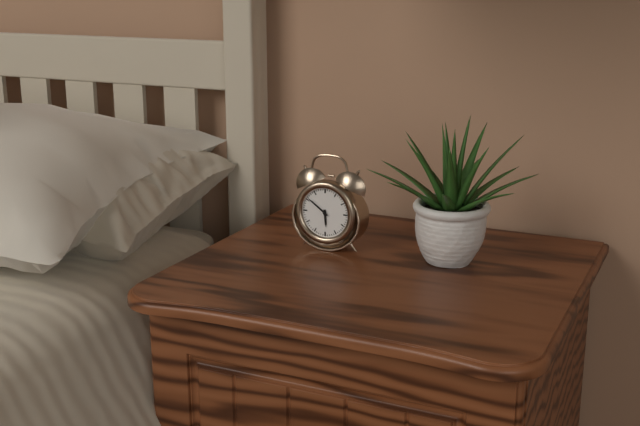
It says **5:51**
